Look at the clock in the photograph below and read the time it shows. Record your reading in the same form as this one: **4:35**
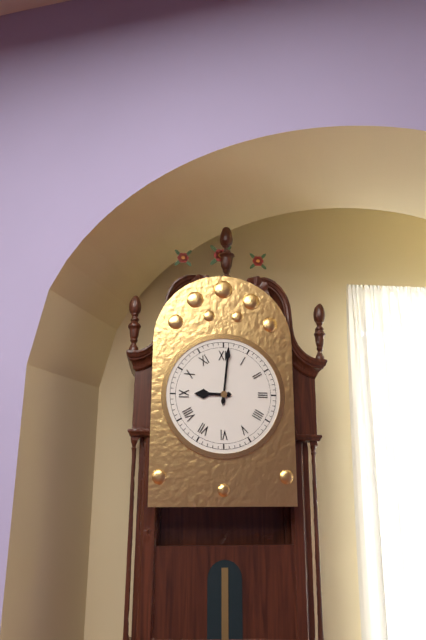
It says **9:01**
